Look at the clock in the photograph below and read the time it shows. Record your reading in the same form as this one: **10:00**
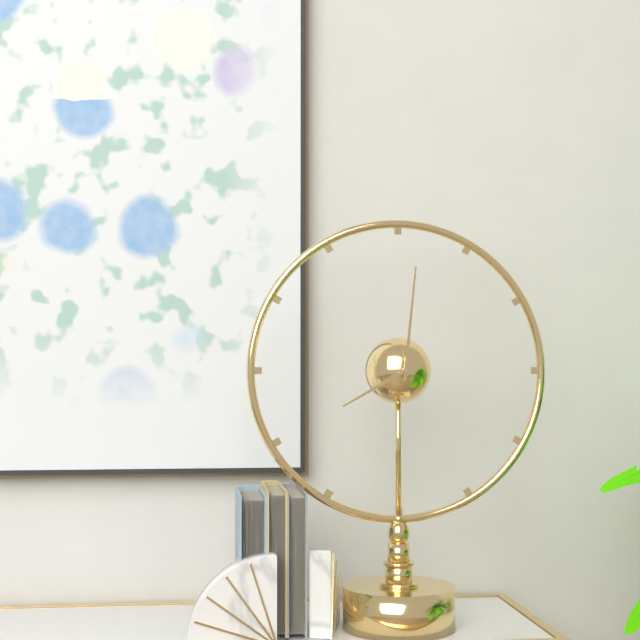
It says **8:01**
